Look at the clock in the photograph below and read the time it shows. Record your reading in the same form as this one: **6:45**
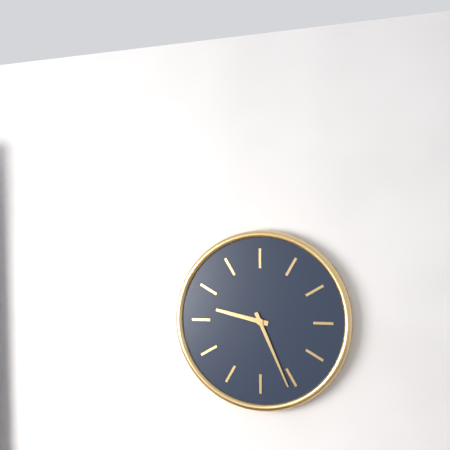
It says **9:26**
